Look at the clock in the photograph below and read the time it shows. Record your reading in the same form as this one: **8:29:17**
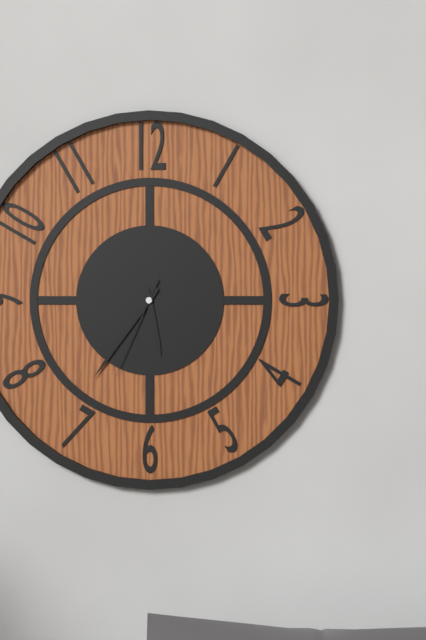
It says **5:36:34**
